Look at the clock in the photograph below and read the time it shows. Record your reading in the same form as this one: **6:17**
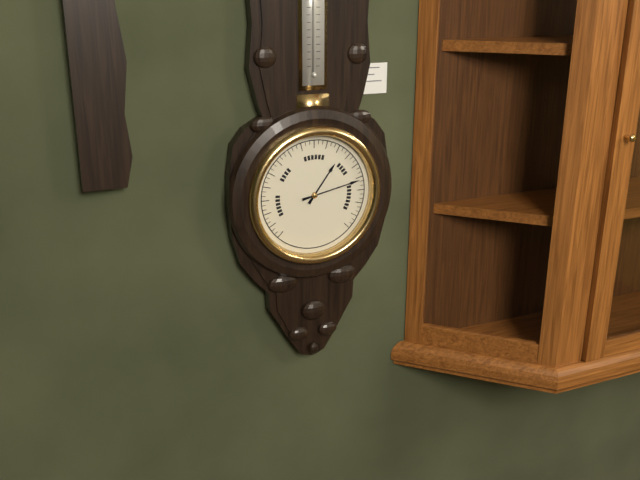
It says **1:13**
